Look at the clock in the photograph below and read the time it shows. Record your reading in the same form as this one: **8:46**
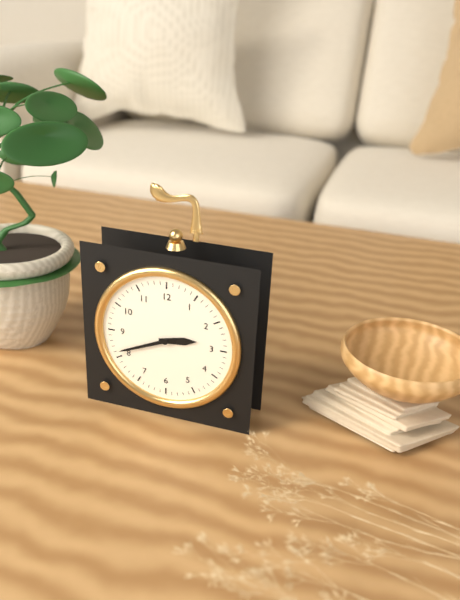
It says **2:41**
